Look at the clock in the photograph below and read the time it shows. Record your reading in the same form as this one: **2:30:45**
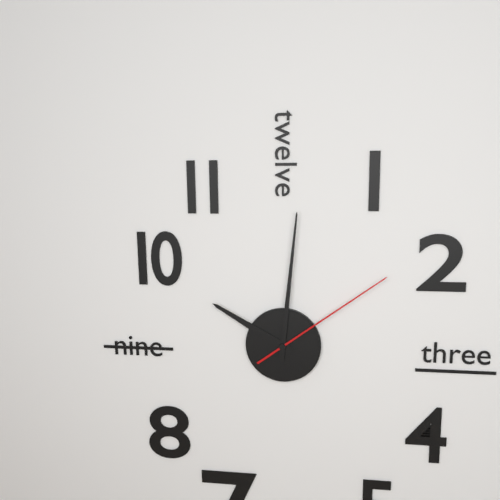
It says **10:01:09**
